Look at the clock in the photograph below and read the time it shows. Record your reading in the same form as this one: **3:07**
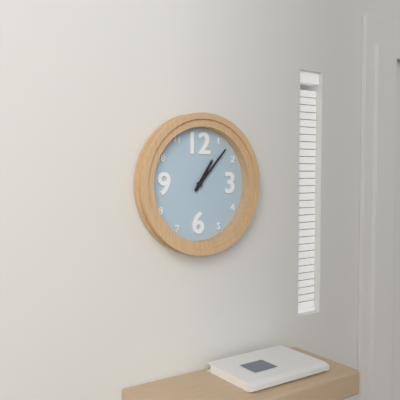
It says **1:07**
